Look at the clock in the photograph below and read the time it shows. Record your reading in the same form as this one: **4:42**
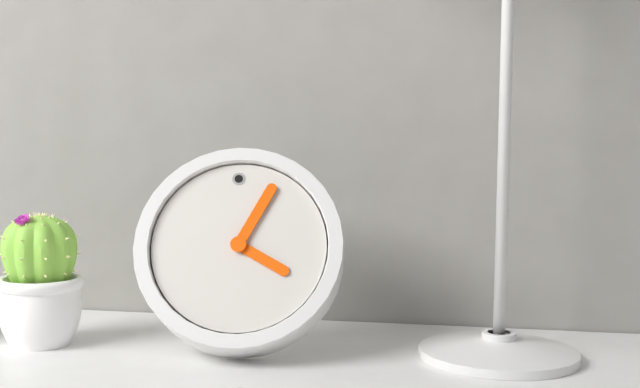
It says **4:05**
